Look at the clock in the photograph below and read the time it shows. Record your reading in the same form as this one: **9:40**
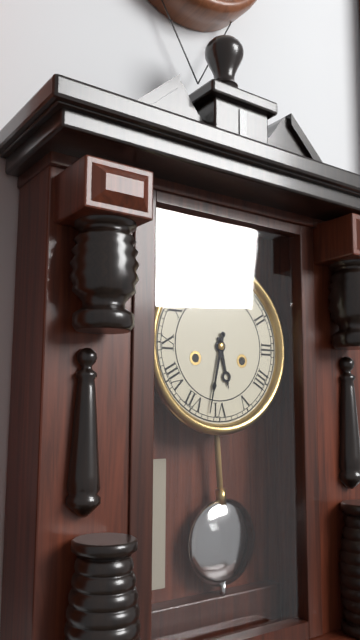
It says **5:32**
